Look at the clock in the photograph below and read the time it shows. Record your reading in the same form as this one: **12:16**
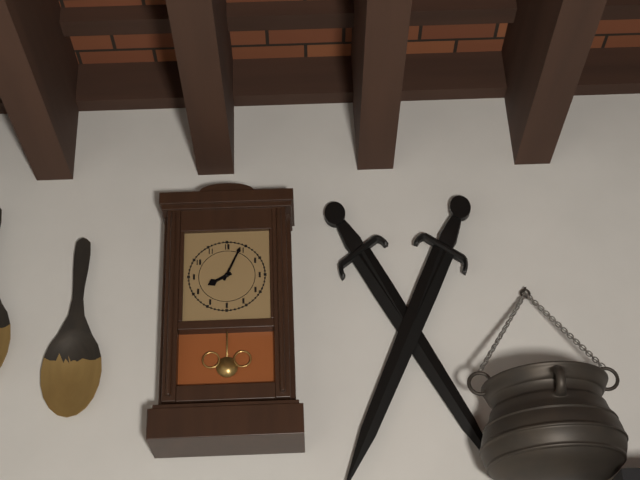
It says **8:04**
